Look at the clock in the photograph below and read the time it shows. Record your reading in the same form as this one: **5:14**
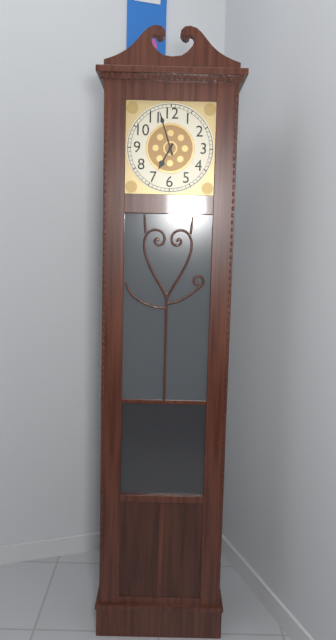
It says **6:57**
